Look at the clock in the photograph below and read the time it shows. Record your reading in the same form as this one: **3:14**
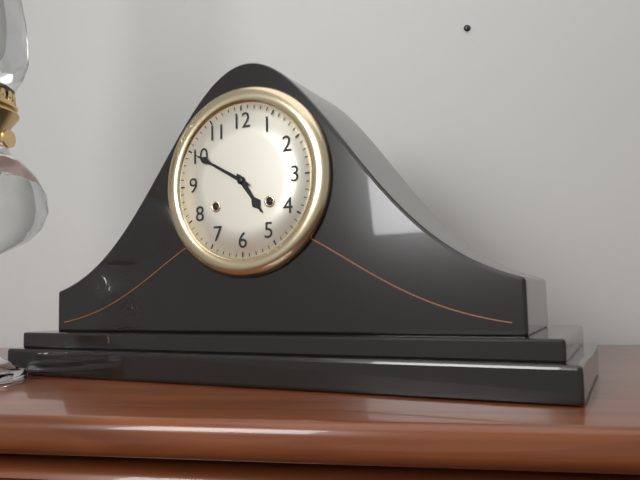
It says **4:50**
